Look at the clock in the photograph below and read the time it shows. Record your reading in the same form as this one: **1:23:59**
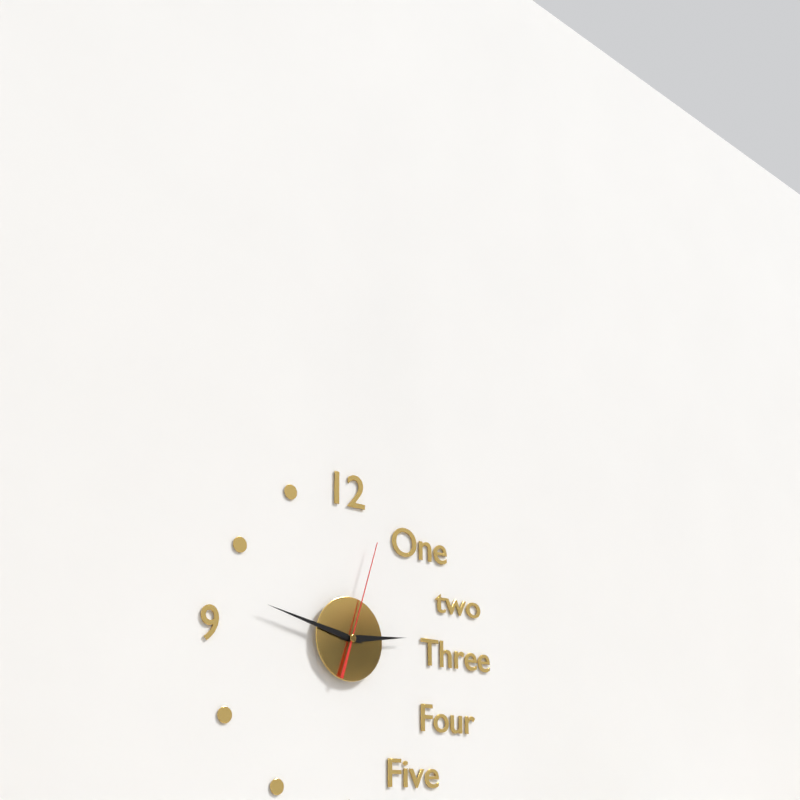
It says **2:47:03**
